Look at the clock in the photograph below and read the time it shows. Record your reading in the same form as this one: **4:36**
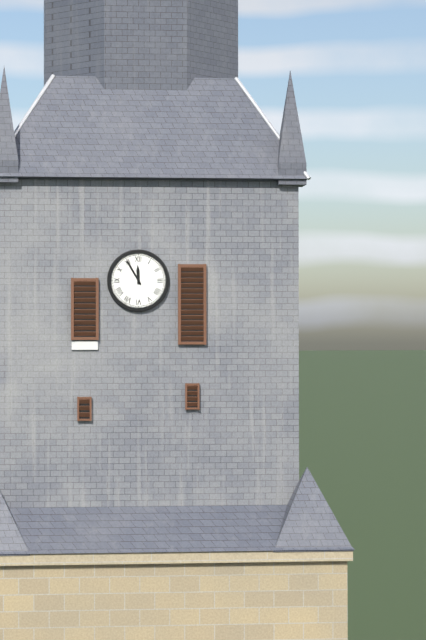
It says **11:55**
